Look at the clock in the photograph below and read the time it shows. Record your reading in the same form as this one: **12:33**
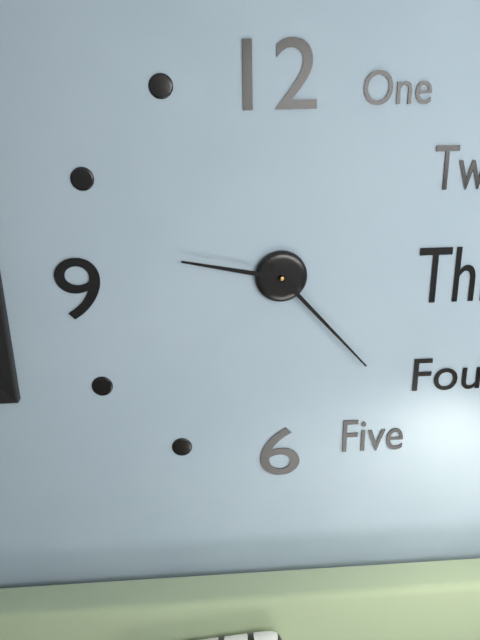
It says **9:23**
